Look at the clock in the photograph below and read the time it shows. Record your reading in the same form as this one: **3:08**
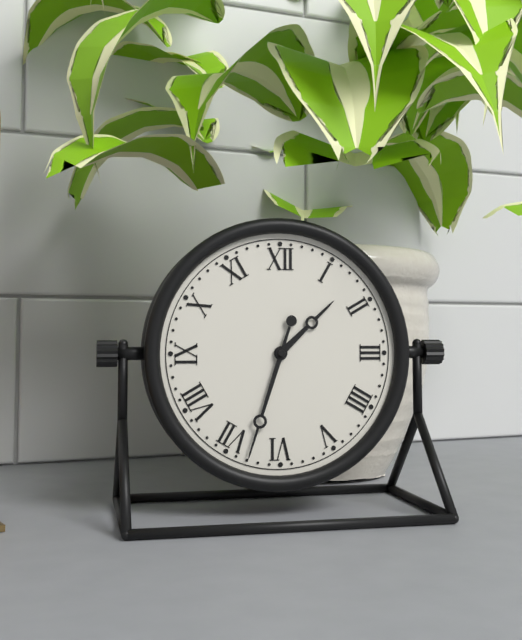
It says **1:33**
